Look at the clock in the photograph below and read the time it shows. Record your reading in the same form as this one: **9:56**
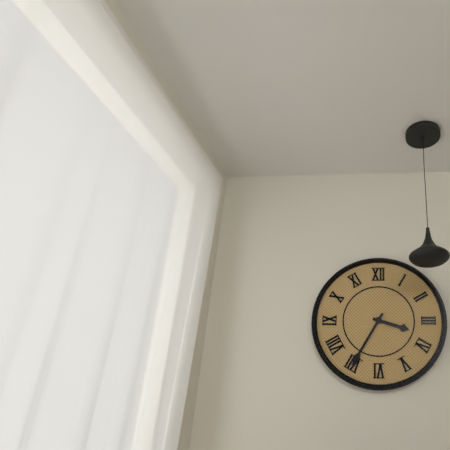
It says **3:35**
